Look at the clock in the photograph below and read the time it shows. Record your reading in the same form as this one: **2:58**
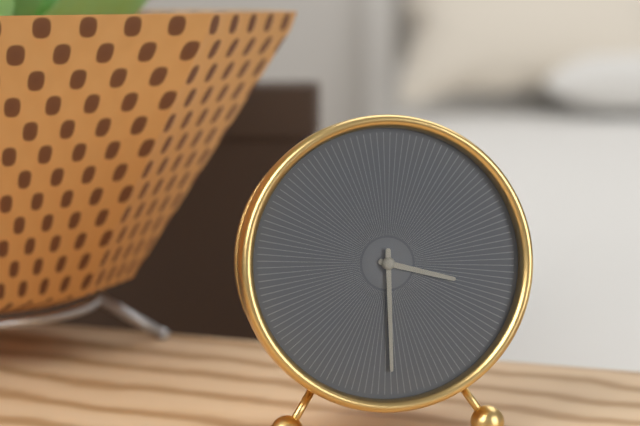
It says **3:30**
